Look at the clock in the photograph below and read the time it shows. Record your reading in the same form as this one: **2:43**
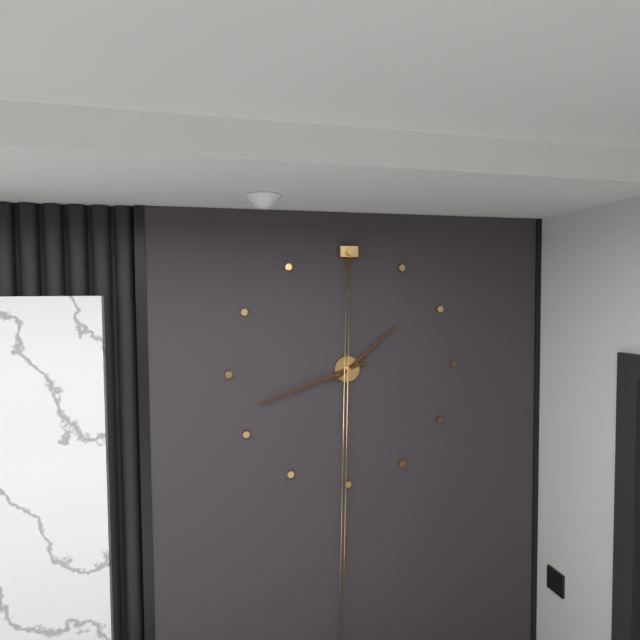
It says **1:42**
